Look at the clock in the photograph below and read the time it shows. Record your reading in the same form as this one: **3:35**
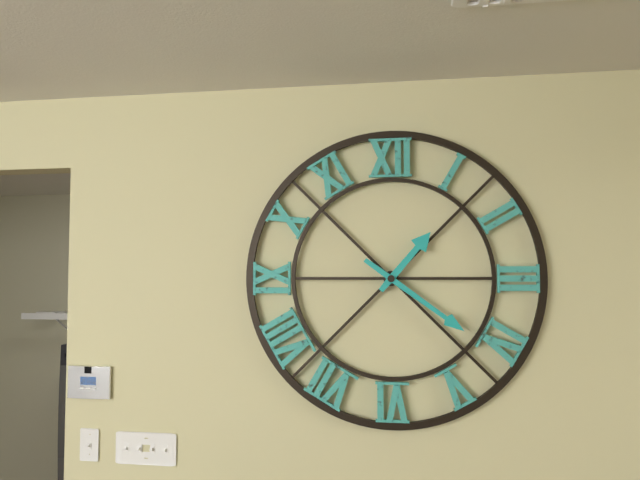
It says **1:21**
